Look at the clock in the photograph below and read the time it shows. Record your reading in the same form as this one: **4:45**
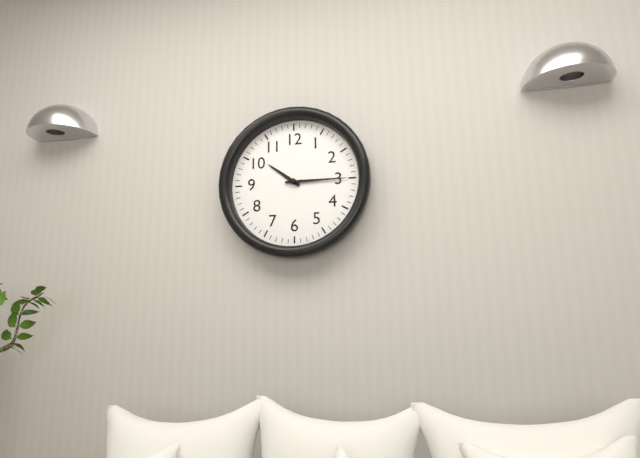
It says **10:15**
